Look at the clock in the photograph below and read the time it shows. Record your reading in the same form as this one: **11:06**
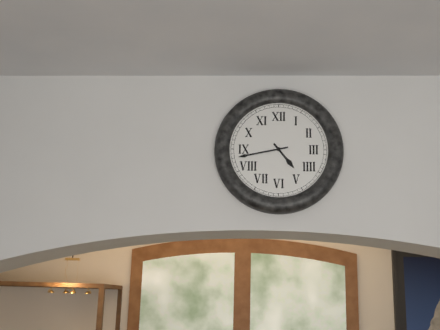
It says **4:43**
